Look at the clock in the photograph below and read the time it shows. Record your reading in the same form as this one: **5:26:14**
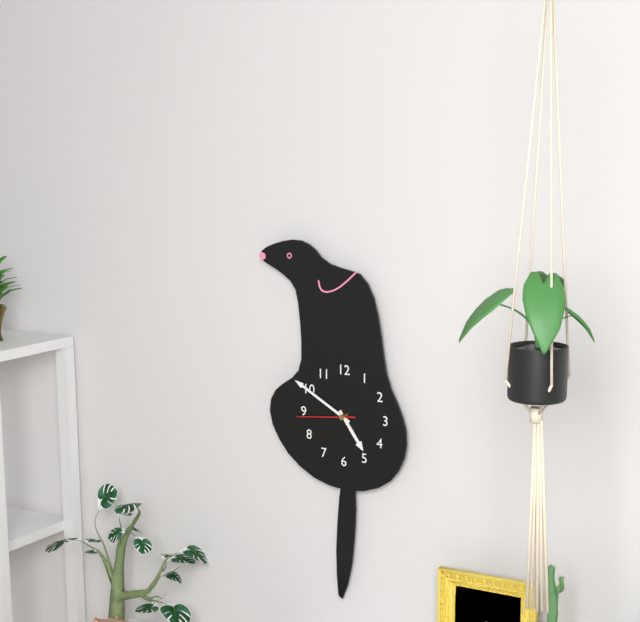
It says **4:50:44**
